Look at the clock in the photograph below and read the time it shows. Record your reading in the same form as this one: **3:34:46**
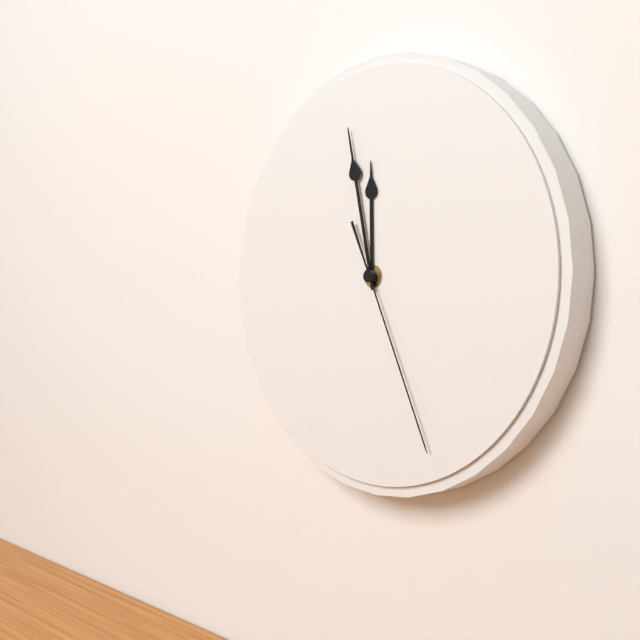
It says **11:58:26**
